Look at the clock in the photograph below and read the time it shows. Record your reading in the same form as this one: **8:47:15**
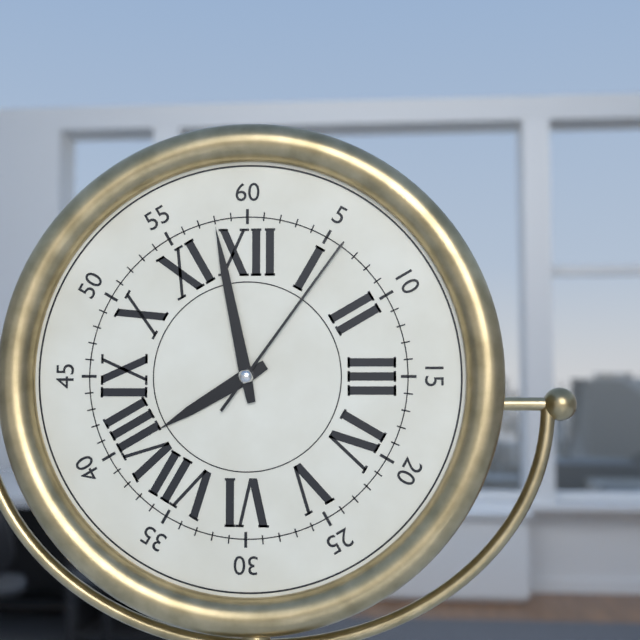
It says **7:58:06**
